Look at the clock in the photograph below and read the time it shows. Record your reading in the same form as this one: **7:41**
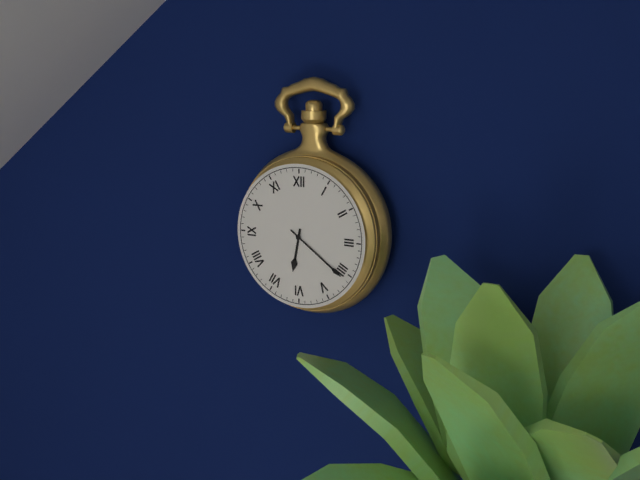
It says **6:21**
